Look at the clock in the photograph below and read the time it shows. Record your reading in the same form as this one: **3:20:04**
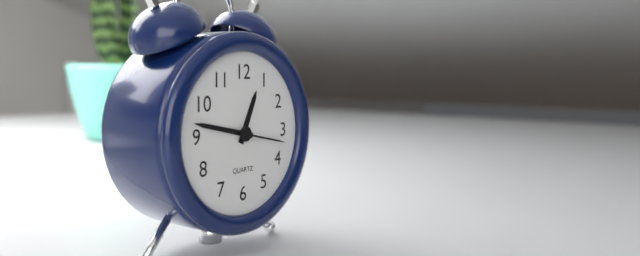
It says **12:47:17**
